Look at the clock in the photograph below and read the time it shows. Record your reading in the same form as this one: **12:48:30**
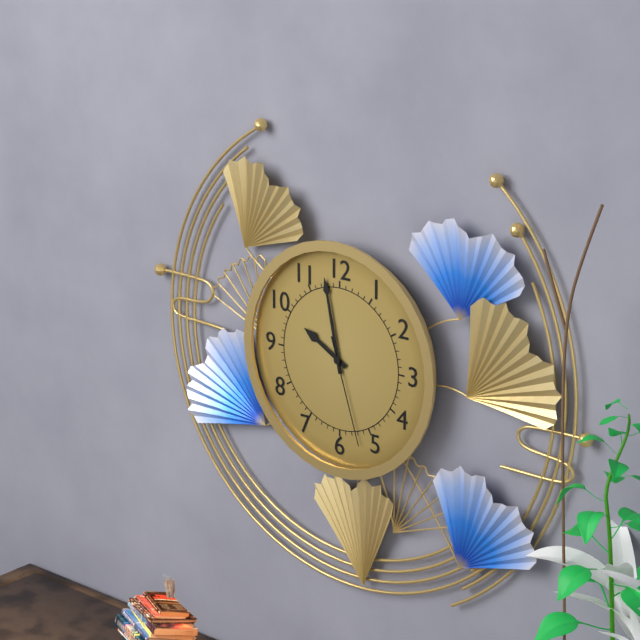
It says **9:58:27**
